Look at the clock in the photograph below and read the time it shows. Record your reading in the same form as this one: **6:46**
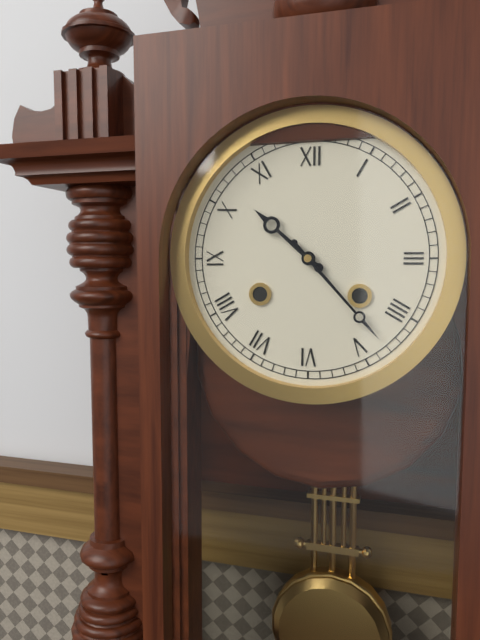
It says **10:23**
